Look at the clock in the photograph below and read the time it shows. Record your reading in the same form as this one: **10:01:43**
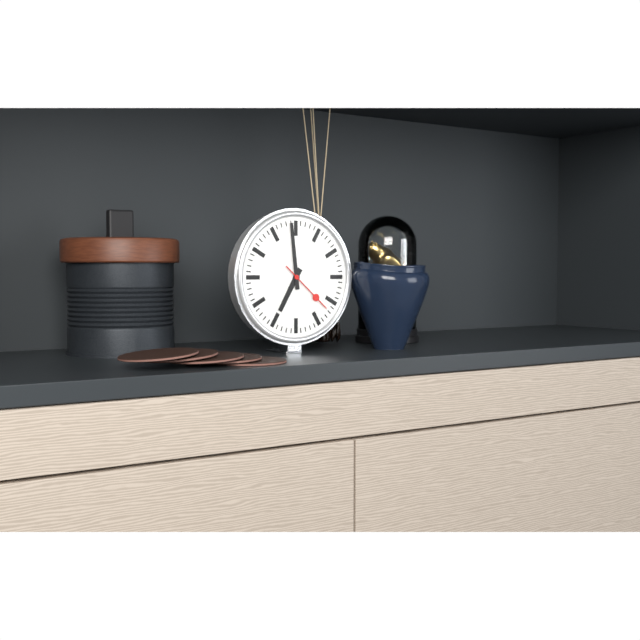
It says **6:59:22**
